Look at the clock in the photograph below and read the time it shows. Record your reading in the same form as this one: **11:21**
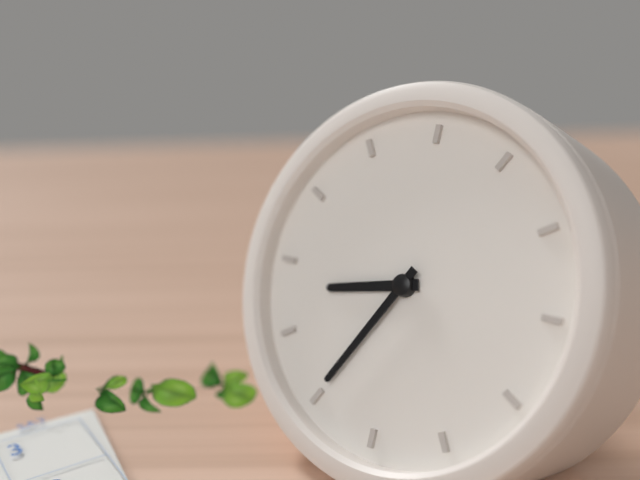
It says **8:35**
